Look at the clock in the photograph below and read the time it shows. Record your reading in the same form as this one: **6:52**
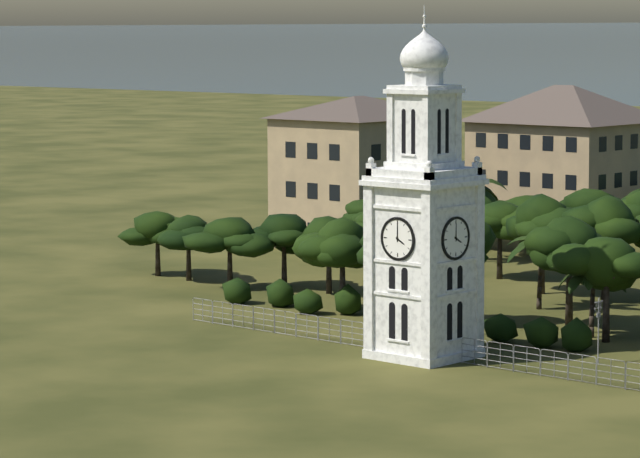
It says **4:00**
